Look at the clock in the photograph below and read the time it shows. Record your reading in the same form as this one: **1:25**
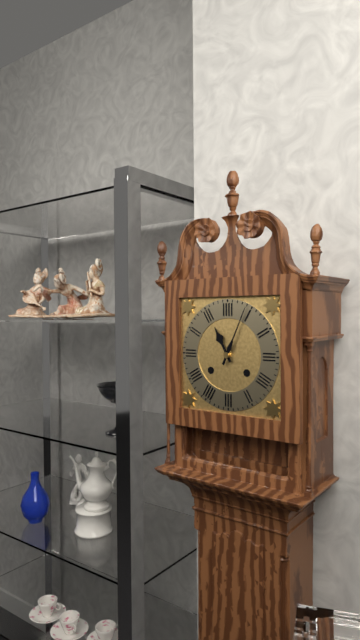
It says **11:04**
